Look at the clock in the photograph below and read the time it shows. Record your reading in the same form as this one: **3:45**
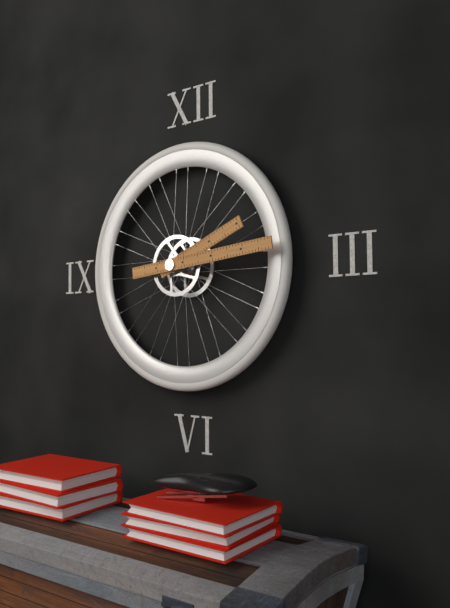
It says **2:14**
